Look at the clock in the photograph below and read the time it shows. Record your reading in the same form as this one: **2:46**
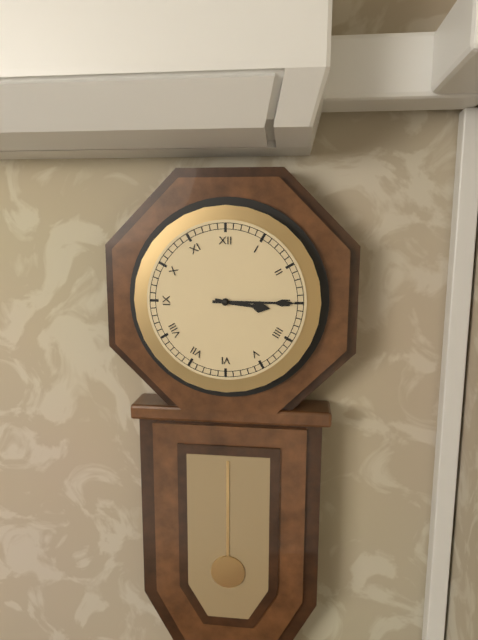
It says **3:15**
